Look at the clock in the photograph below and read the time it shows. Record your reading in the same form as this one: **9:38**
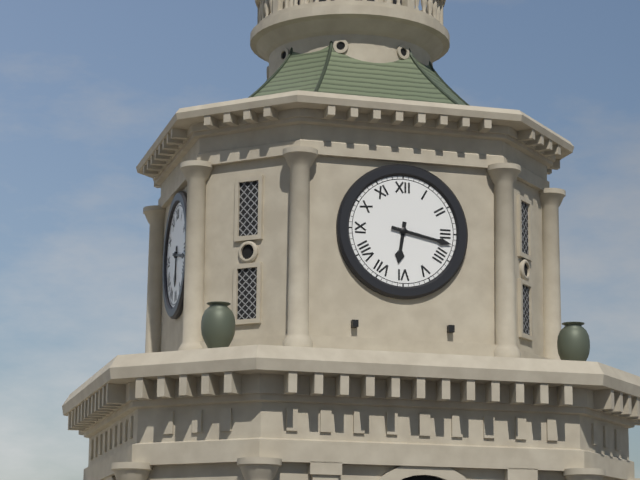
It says **6:17**
